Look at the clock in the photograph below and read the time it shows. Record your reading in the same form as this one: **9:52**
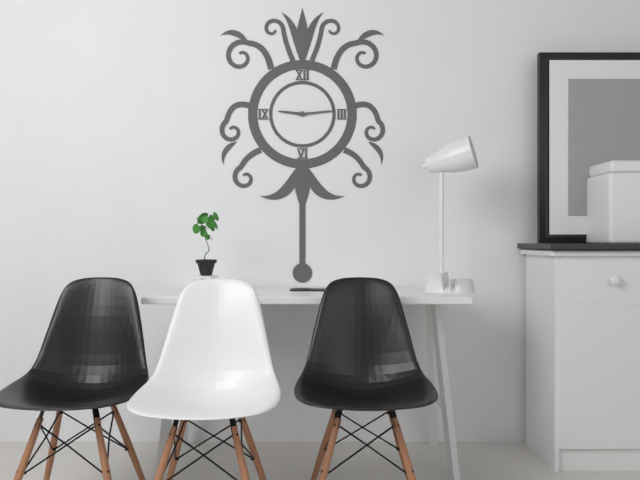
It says **9:14**
